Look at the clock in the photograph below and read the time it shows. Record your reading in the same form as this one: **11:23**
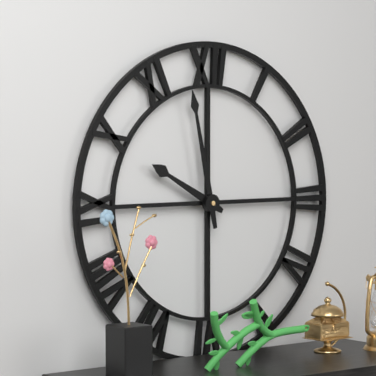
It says **9:58**
